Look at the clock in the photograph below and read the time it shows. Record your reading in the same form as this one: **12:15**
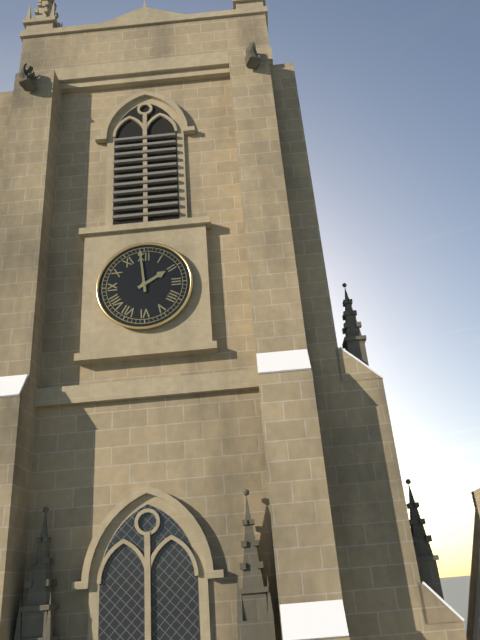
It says **1:59**
